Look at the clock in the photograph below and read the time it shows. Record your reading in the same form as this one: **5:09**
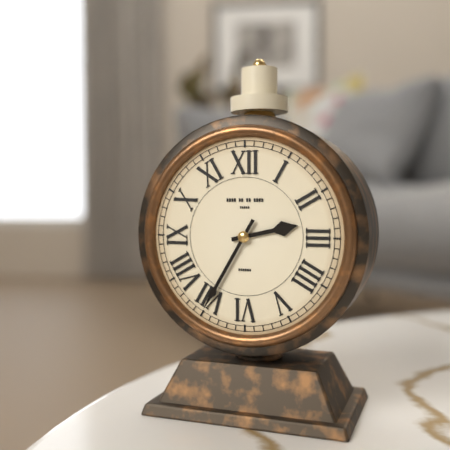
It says **2:35**
